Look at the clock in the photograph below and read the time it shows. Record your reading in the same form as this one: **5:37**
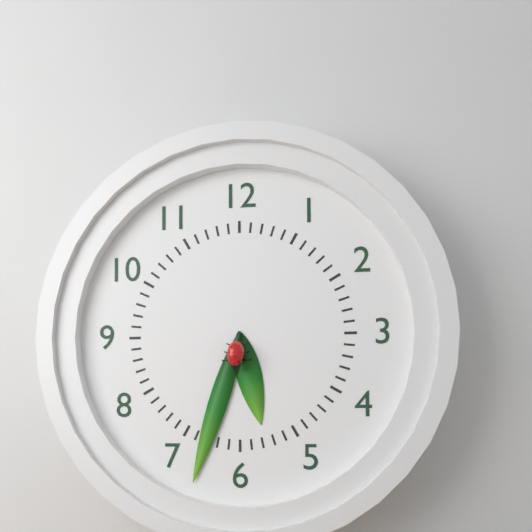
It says **5:33**
